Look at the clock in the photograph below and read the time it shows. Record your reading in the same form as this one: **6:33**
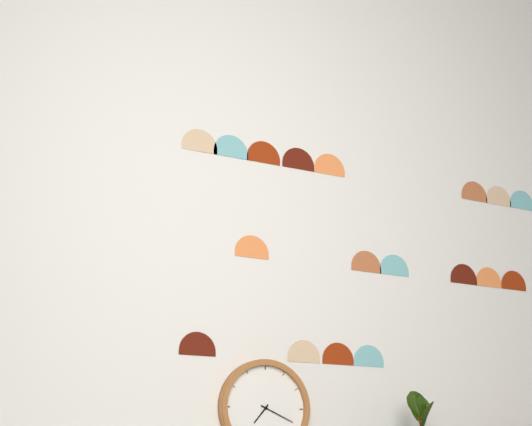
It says **7:19**
